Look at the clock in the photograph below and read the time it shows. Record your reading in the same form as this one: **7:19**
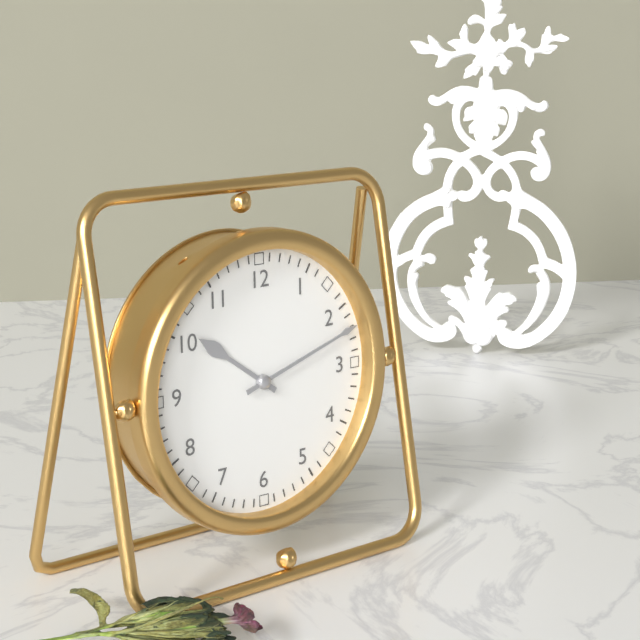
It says **10:12**
